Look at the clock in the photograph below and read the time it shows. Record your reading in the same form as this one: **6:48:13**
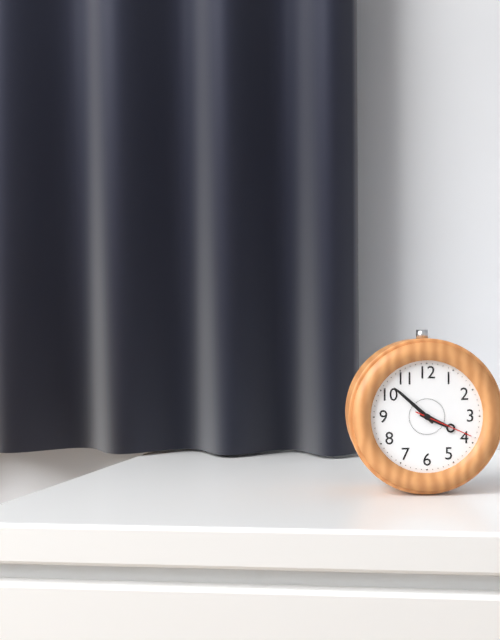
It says **3:52:19**
